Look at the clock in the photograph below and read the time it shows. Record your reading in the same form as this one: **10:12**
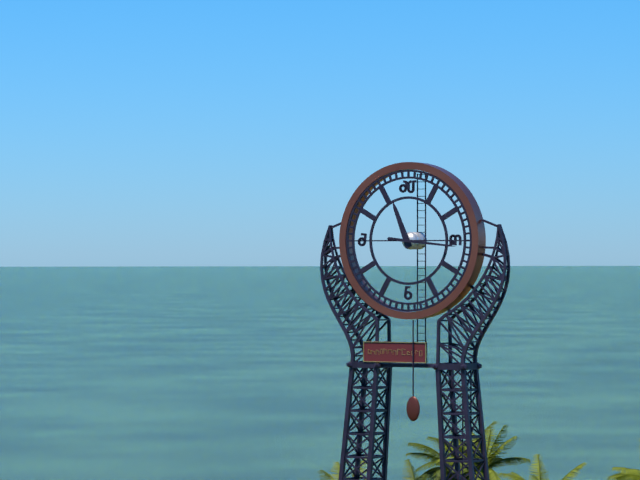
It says **11:16**
